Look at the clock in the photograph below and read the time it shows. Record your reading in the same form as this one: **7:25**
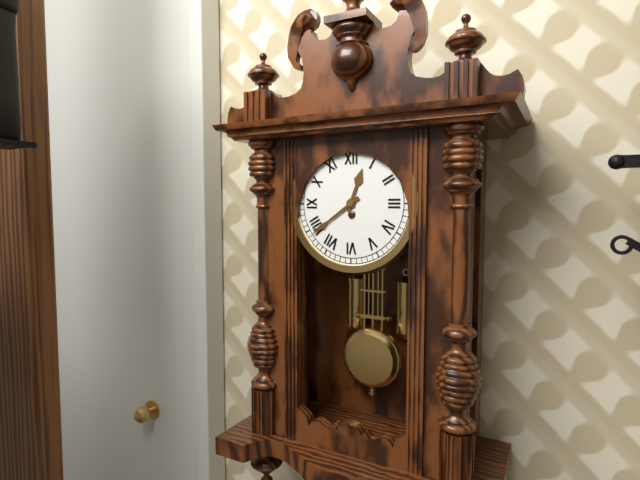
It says **12:39**
